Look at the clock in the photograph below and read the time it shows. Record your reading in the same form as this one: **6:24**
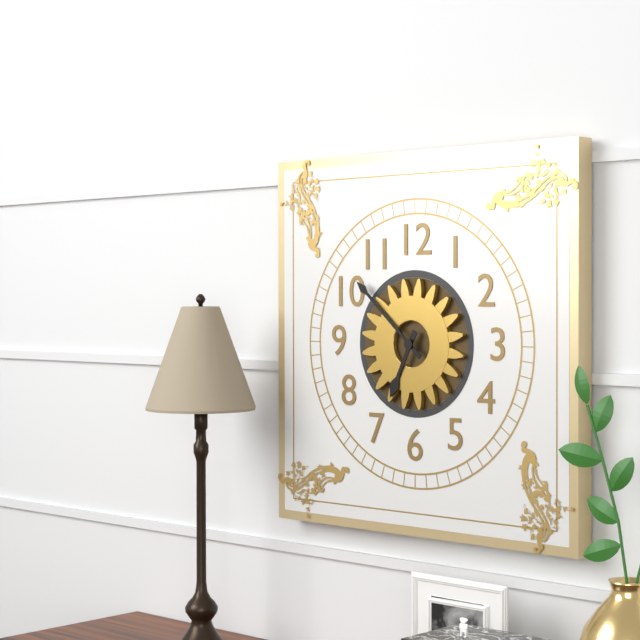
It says **6:52**
